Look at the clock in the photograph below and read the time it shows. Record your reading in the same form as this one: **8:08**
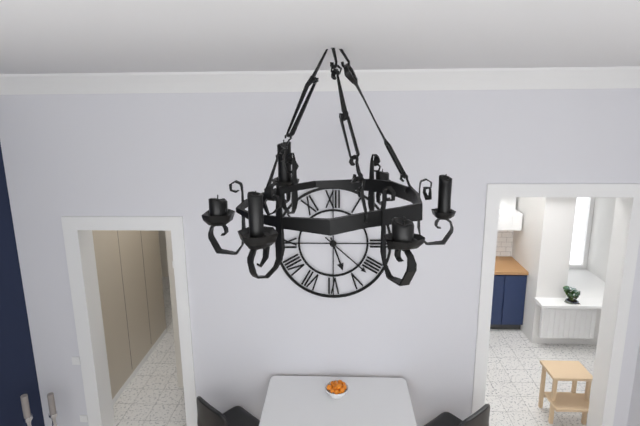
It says **5:22**
